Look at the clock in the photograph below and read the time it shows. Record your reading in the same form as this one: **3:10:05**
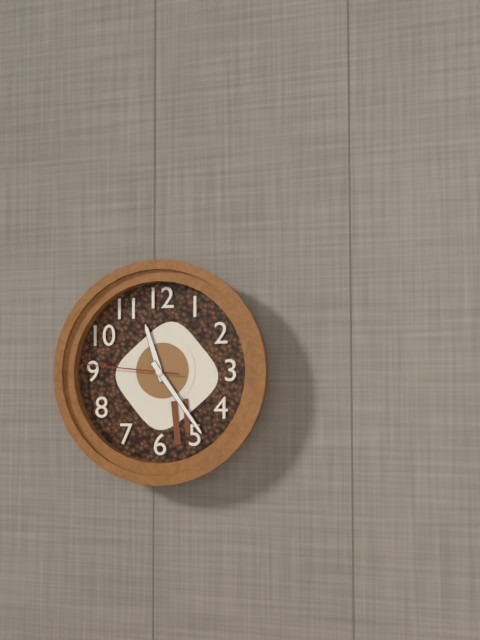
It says **11:24:46**
